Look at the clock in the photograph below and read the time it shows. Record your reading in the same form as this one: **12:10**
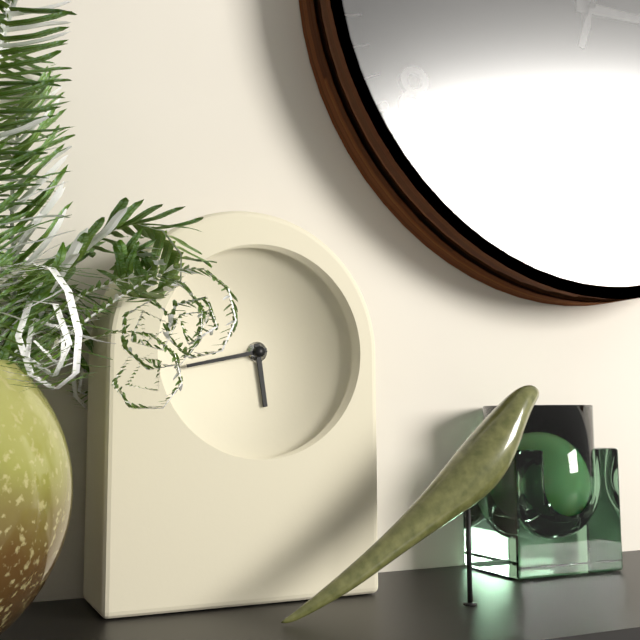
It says **5:43**
